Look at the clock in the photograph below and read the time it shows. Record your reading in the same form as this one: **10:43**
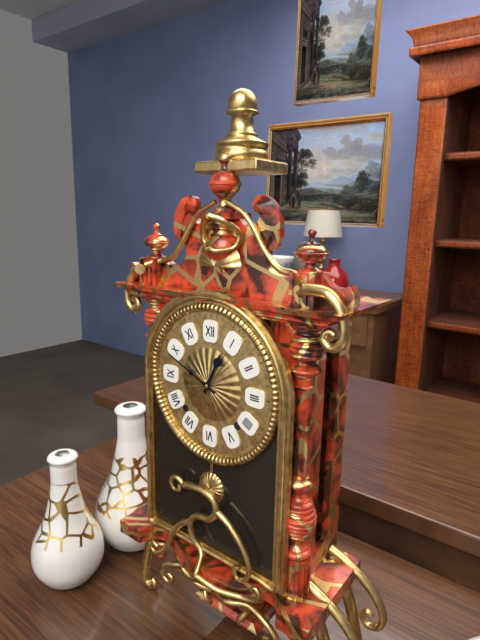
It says **12:49**
